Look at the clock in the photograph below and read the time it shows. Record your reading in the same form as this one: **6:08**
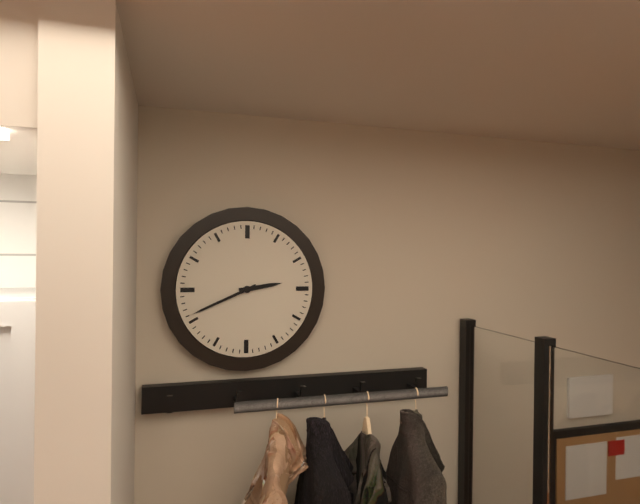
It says **2:41**
